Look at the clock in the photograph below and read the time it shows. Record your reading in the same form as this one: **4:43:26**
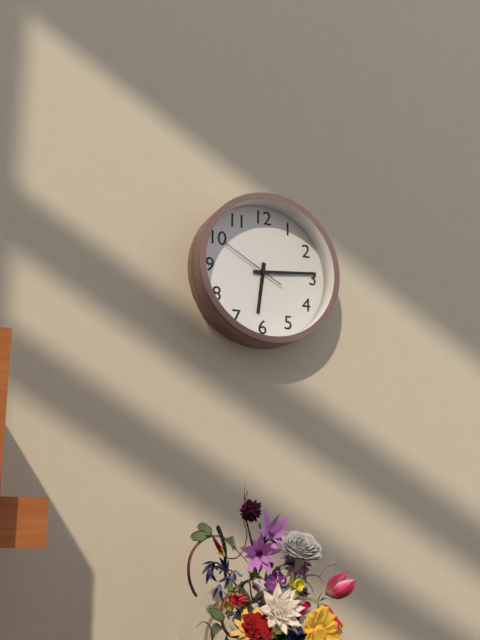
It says **6:14:50**
